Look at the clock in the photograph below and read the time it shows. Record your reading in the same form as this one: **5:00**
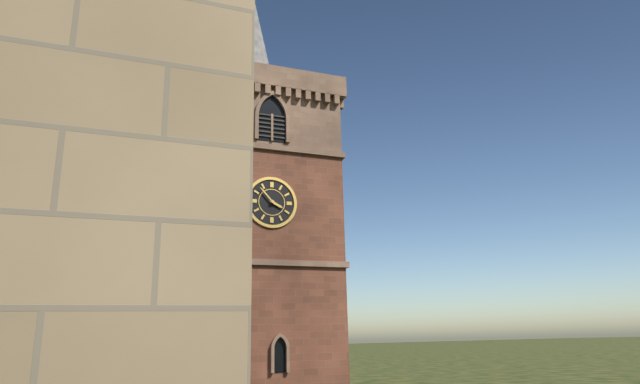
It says **3:53**
